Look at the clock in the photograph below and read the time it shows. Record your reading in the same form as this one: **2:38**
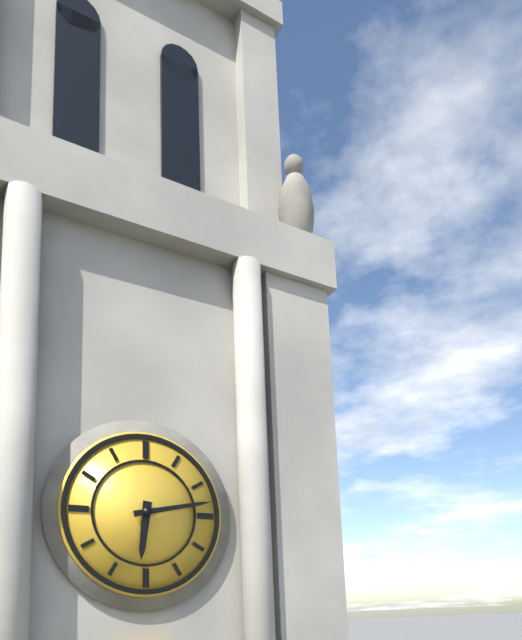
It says **6:13**
